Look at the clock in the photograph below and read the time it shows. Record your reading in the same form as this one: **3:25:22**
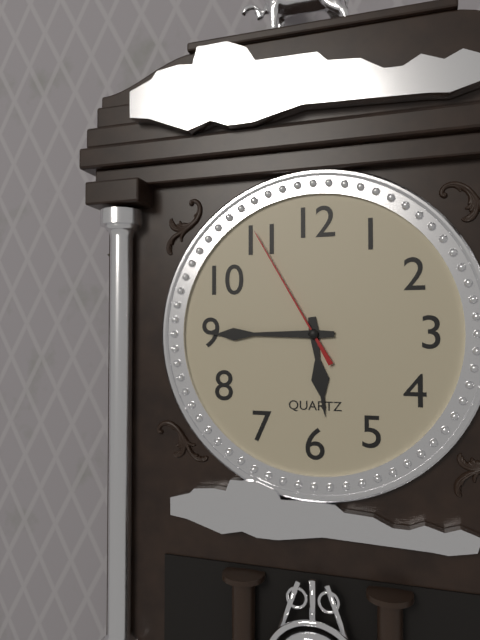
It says **5:45:55**
